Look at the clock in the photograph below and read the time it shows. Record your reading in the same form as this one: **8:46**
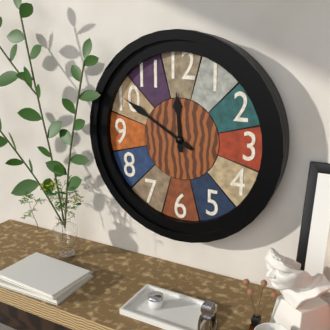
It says **11:50**
